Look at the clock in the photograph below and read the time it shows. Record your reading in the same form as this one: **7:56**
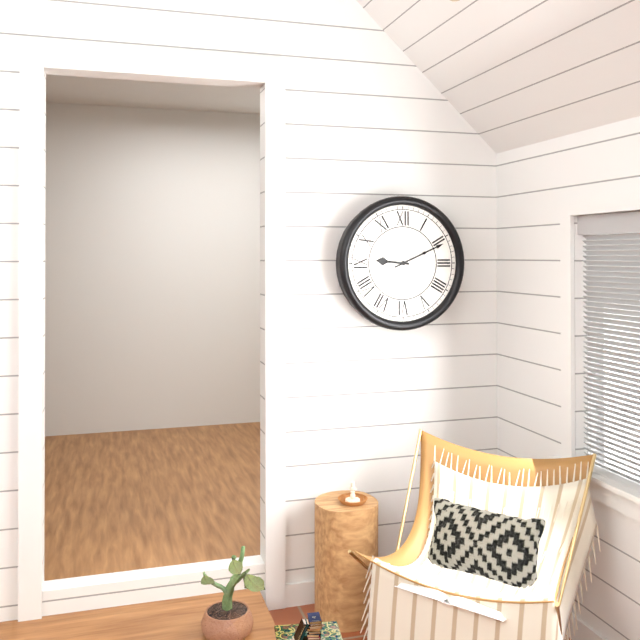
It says **9:11**
